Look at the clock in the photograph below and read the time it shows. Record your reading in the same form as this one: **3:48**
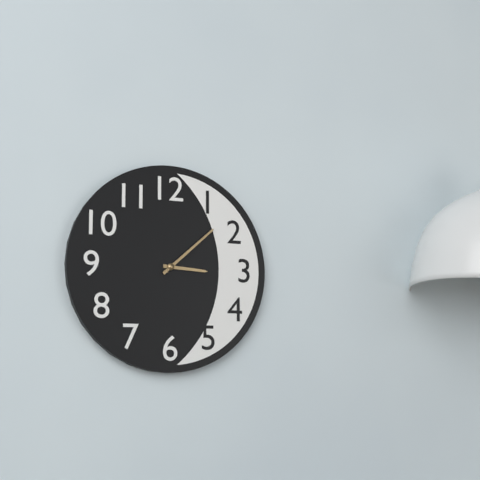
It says **3:08**
